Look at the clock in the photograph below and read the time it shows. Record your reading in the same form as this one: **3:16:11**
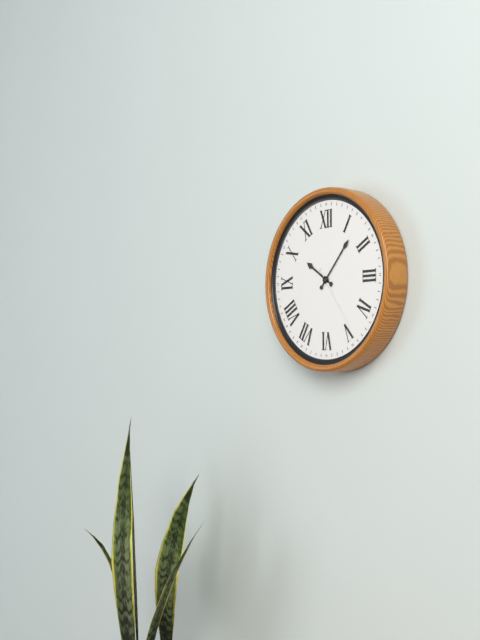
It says **10:07:24**
